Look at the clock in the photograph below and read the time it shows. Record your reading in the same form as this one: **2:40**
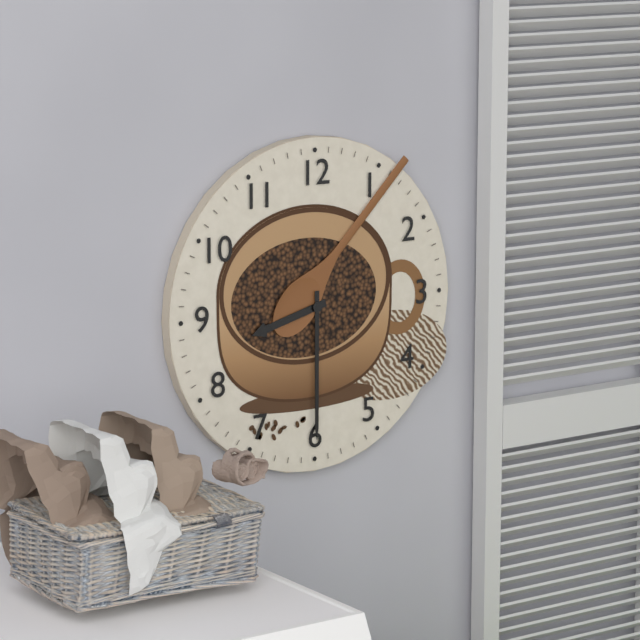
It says **8:30**
